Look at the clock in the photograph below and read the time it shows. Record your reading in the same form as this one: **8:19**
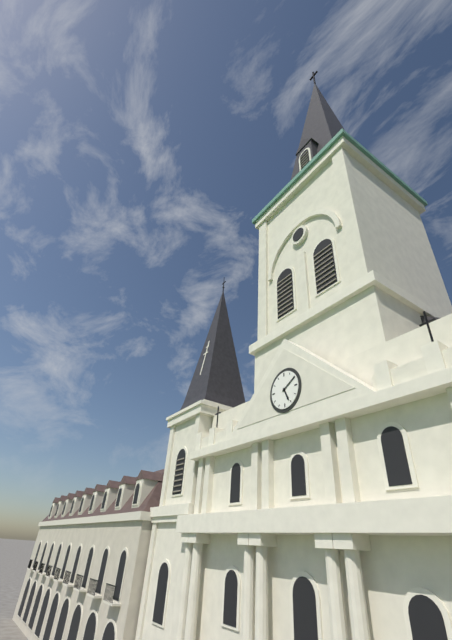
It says **5:10**
